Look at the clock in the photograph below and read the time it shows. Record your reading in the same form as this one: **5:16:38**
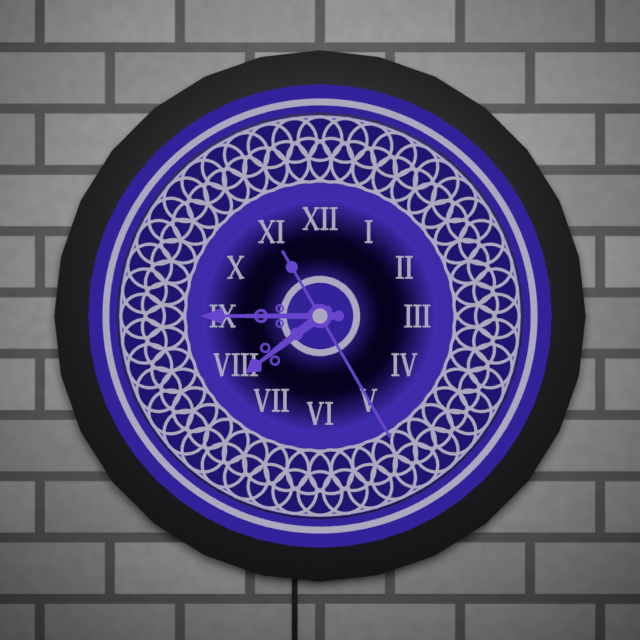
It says **7:45:25**
